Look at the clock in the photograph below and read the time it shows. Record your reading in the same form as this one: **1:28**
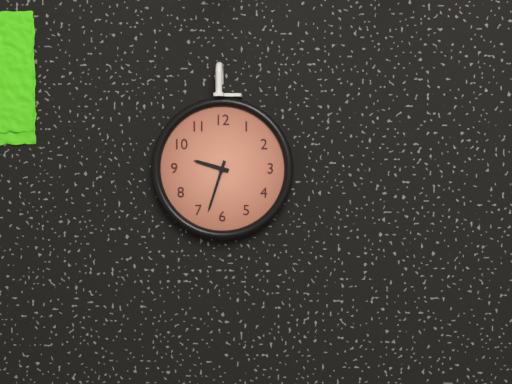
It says **9:33**
